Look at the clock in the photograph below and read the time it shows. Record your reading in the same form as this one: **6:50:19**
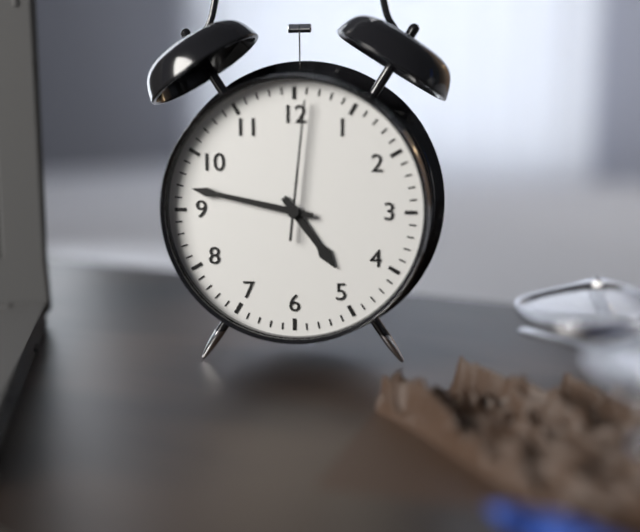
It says **4:47:01**
